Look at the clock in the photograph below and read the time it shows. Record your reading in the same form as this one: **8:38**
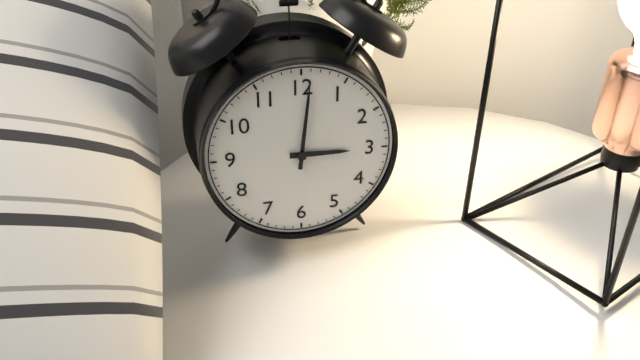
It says **3:01**
